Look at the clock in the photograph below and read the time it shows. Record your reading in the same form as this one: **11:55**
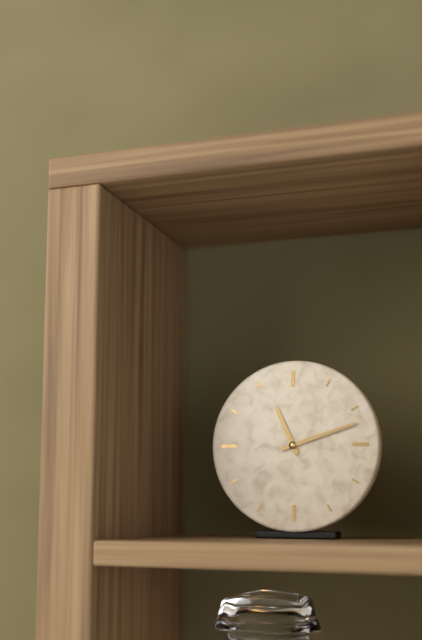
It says **11:12**
